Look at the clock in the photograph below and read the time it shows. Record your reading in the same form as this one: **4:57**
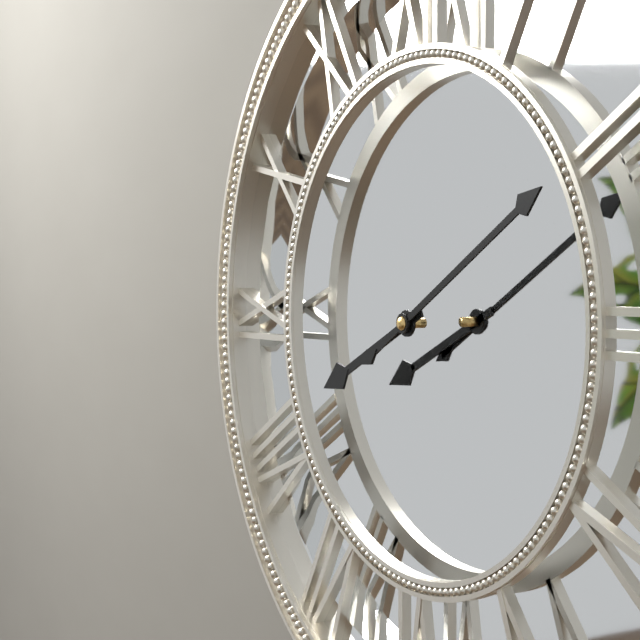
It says **8:10**
